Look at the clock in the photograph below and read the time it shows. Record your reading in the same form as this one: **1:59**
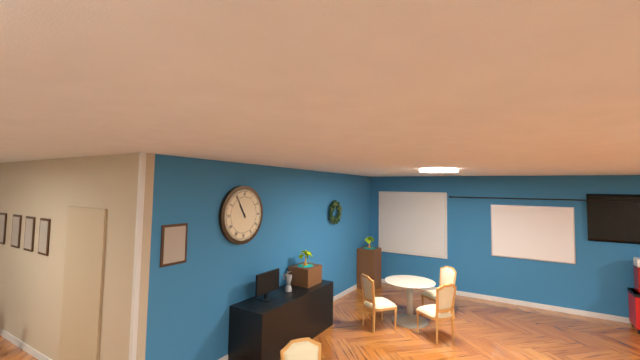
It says **10:55**
